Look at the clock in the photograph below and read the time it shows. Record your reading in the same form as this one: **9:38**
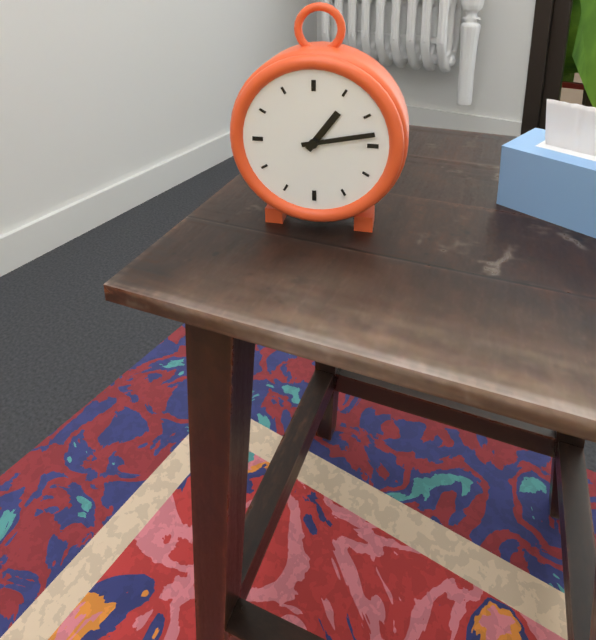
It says **1:13**
